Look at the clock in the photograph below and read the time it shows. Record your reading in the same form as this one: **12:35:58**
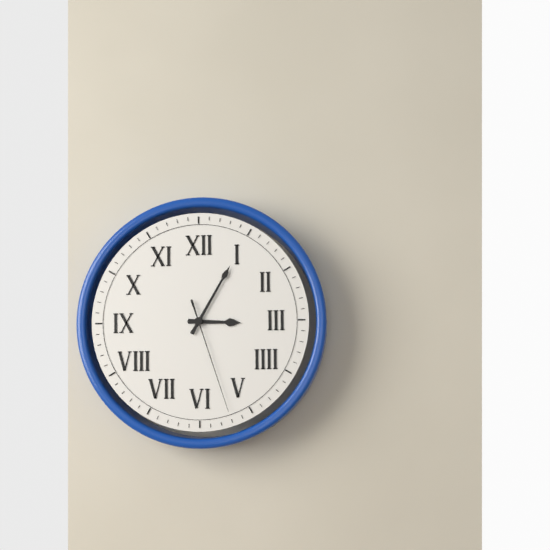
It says **3:05:27**
